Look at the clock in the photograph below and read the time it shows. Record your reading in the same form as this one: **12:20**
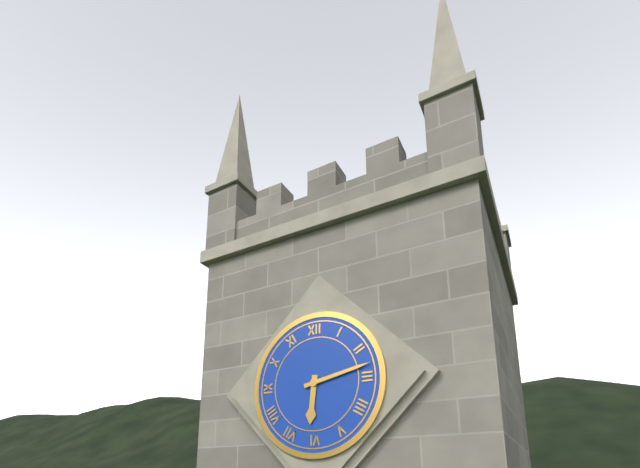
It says **6:13**
